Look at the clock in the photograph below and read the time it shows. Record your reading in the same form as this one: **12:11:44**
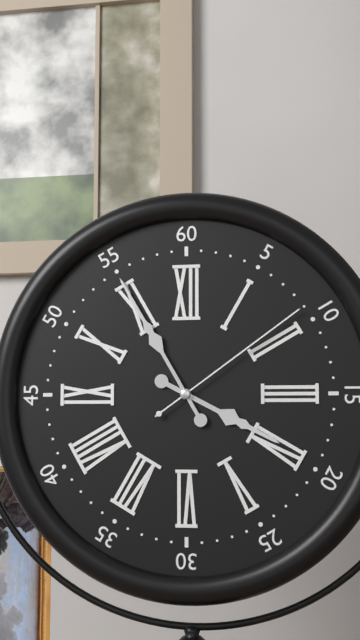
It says **3:55:09**
